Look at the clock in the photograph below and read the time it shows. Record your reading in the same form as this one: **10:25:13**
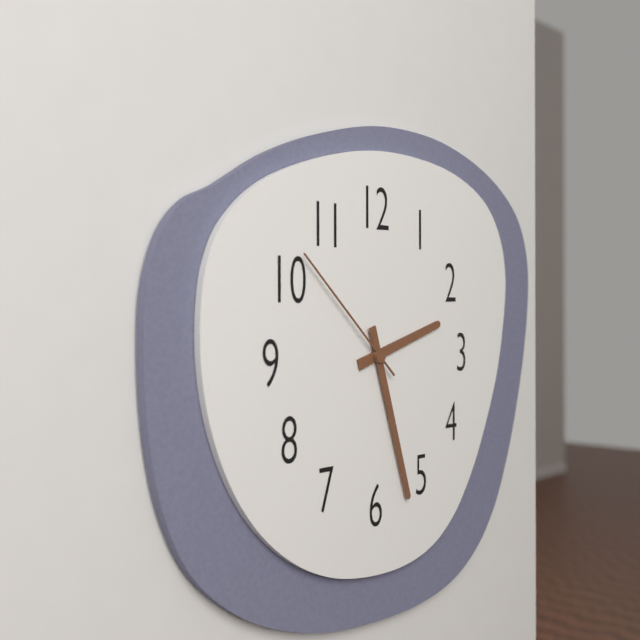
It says **2:27:52**
